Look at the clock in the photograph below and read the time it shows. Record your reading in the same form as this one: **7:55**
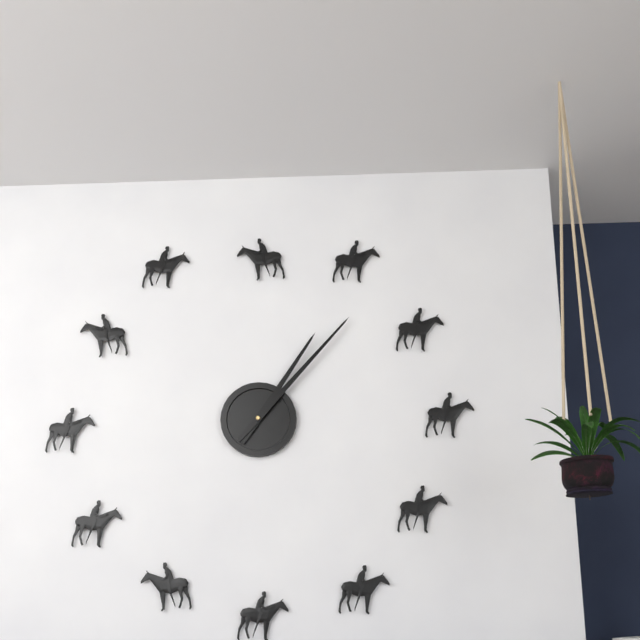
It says **1:07**
